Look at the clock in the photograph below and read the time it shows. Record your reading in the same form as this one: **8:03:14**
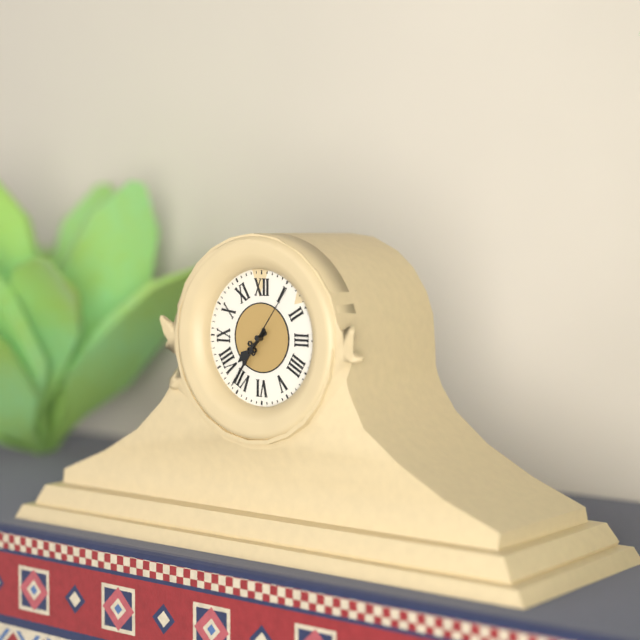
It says **7:36:06**
